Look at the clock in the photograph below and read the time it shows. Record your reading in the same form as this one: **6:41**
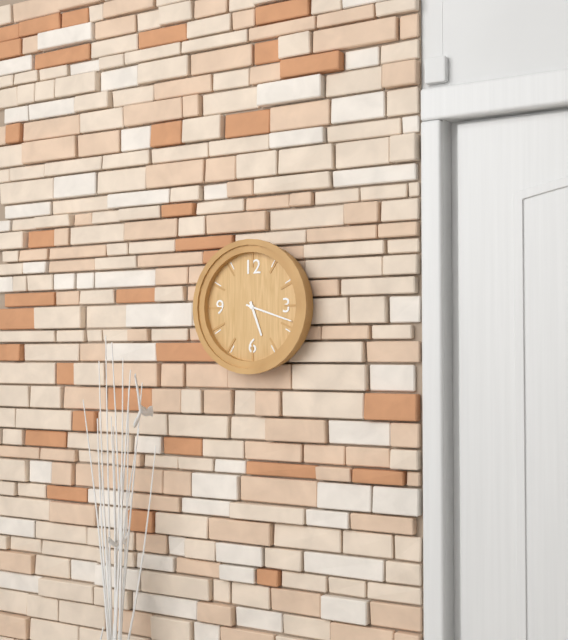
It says **5:18**
